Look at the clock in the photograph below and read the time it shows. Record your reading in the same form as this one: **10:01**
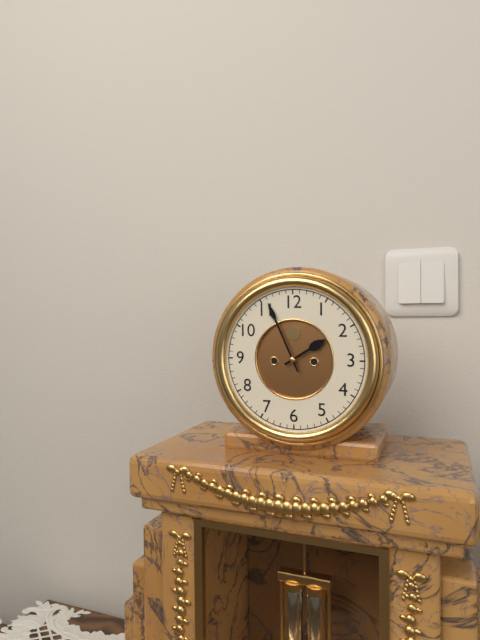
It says **1:56**
